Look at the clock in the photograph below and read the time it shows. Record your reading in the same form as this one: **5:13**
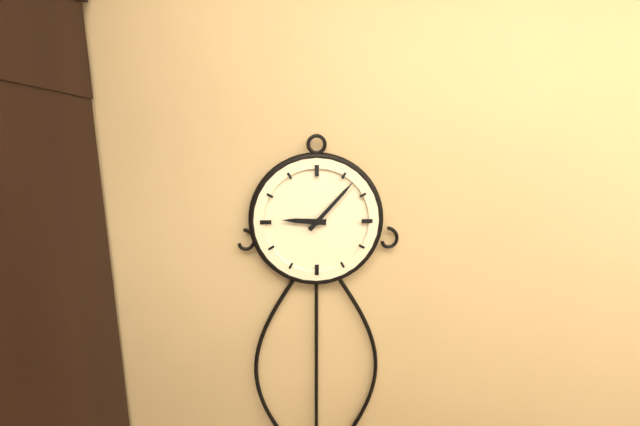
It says **9:07**
